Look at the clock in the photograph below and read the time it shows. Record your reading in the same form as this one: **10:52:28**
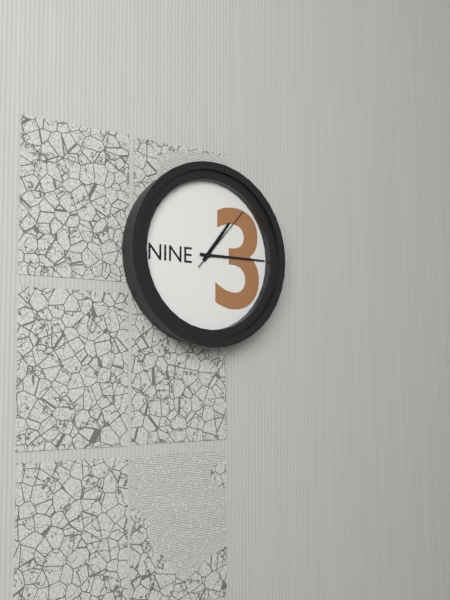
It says **1:15:07**
